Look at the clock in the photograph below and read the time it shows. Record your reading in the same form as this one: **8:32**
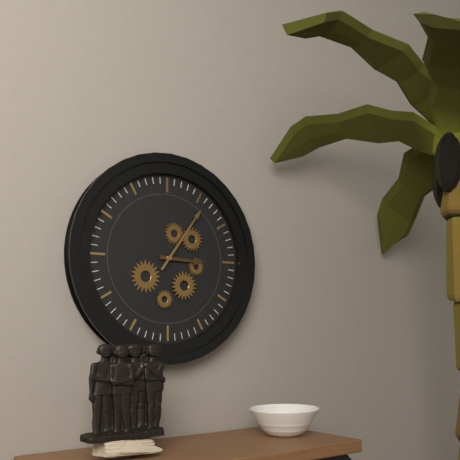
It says **3:06**
